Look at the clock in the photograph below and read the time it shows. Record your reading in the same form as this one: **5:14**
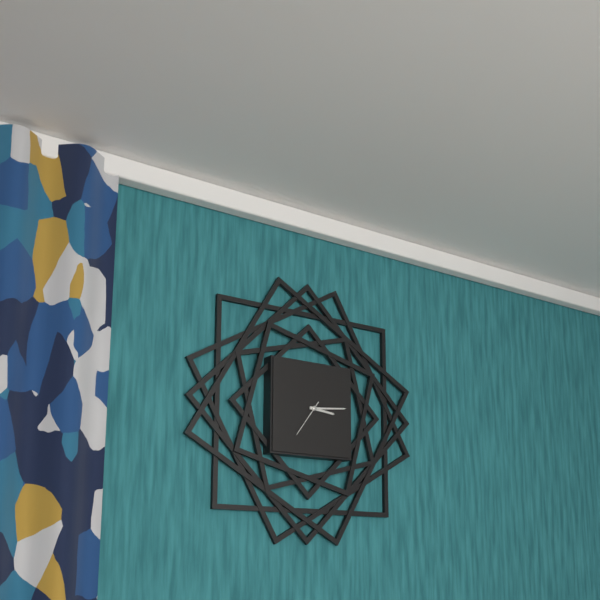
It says **3:14**
